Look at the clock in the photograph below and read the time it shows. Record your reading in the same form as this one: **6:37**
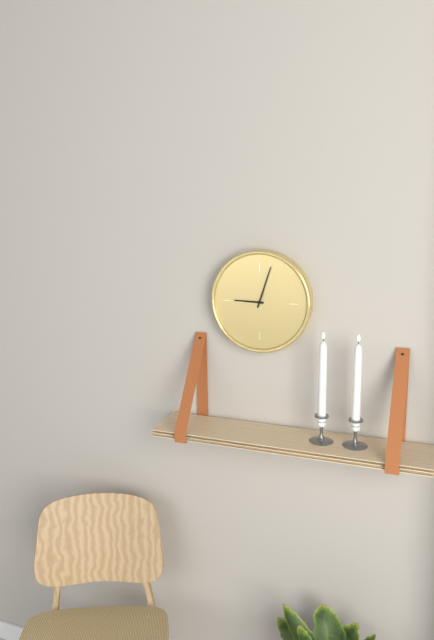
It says **9:03**
